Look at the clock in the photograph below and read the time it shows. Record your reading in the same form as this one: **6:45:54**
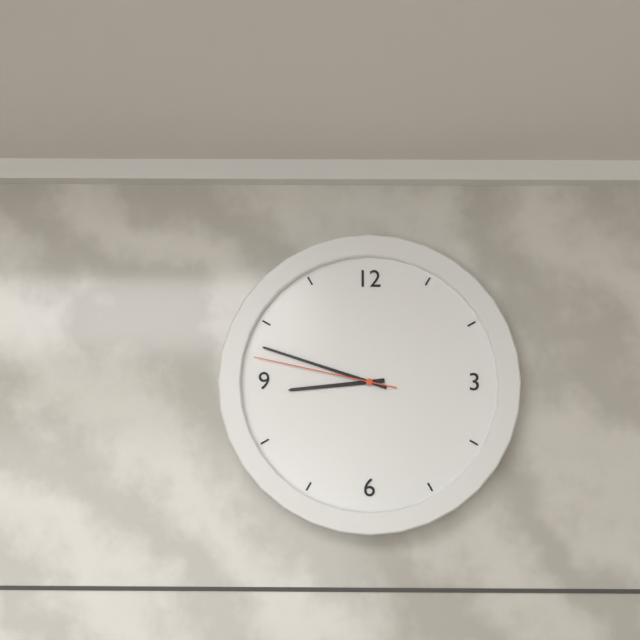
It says **8:48:47**
